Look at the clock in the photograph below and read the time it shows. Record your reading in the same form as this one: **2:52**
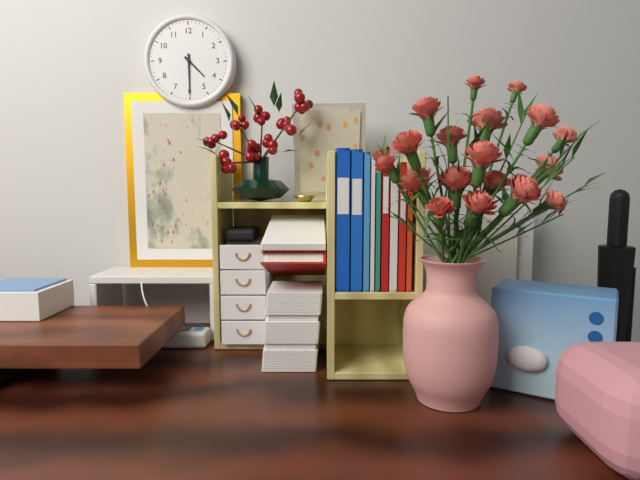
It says **4:30**
